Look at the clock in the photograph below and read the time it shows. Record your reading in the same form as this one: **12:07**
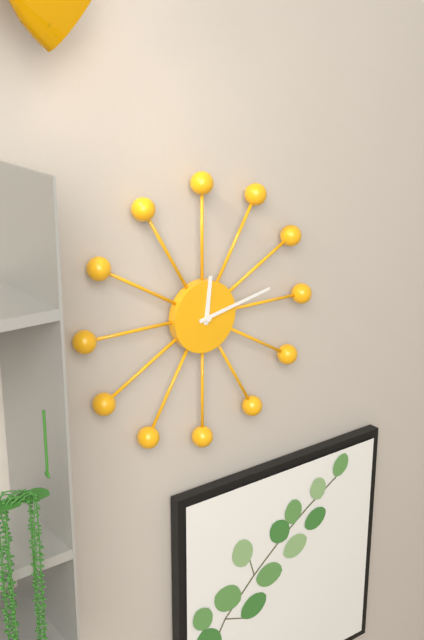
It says **12:13**
